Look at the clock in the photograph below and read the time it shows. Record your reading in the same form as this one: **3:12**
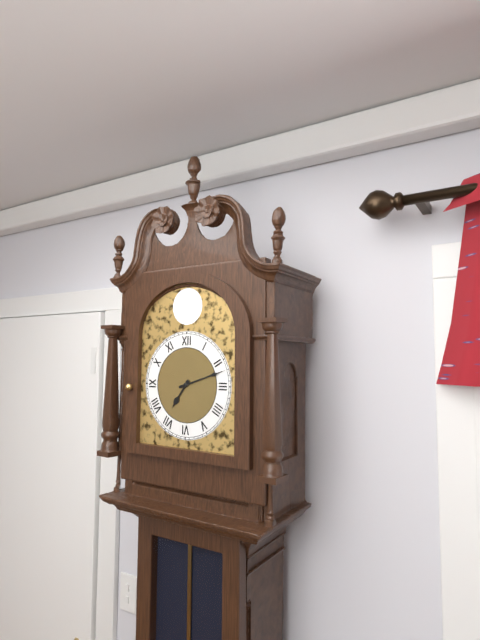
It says **7:12**
